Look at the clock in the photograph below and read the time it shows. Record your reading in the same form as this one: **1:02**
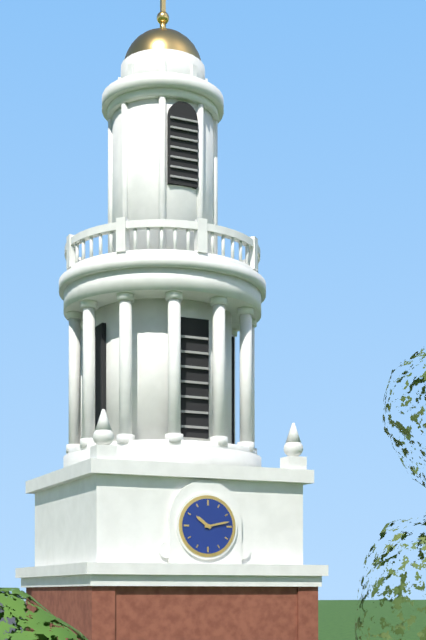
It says **10:13**
